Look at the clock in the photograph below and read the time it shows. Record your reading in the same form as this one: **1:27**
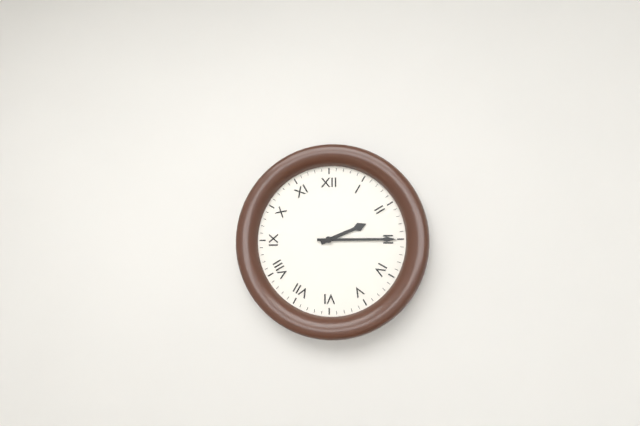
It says **2:15**
